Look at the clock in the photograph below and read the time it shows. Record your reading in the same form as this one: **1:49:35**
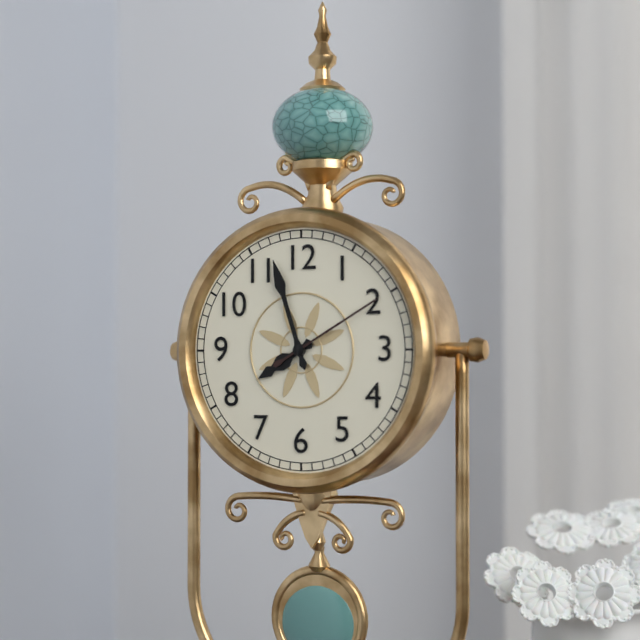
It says **7:57:10**
